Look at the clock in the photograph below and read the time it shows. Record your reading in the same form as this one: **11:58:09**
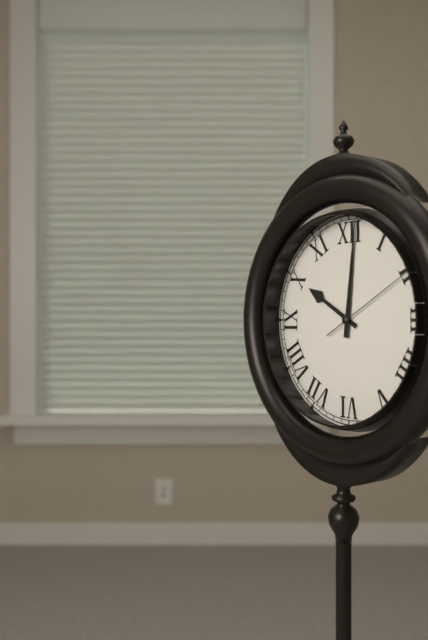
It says **10:01:10**
